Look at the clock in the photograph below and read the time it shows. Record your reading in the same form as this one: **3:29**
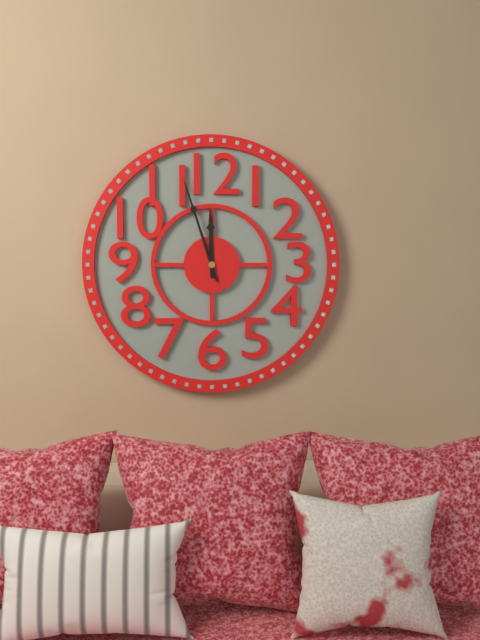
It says **11:57**
